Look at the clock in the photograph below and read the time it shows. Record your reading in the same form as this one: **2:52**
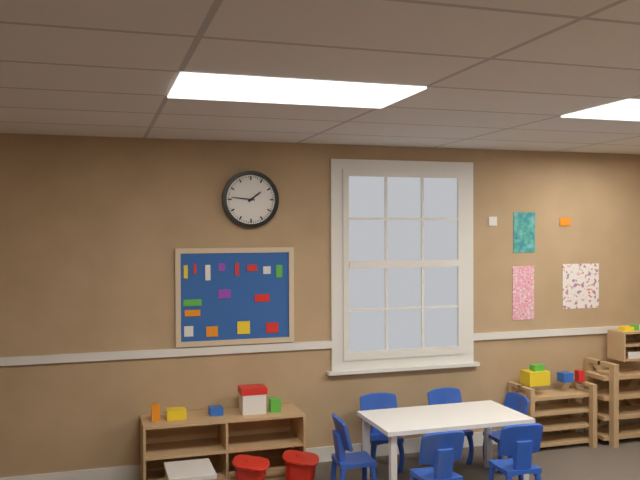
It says **1:46**
